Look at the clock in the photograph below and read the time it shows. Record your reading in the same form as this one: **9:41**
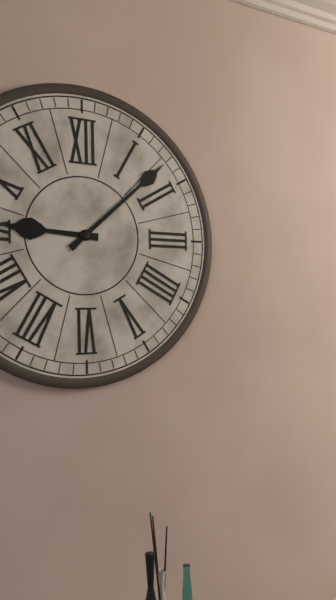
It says **9:08**
